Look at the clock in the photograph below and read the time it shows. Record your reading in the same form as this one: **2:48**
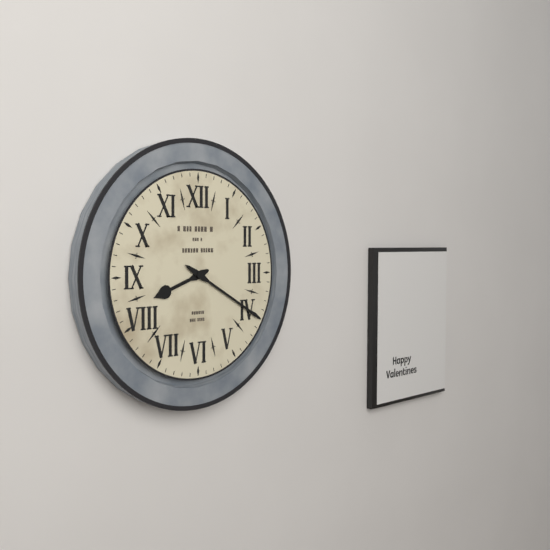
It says **8:20**
